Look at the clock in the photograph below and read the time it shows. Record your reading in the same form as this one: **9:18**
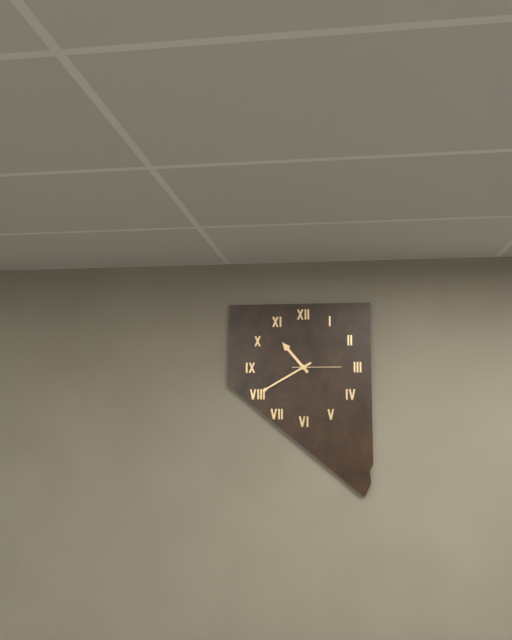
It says **10:40**
